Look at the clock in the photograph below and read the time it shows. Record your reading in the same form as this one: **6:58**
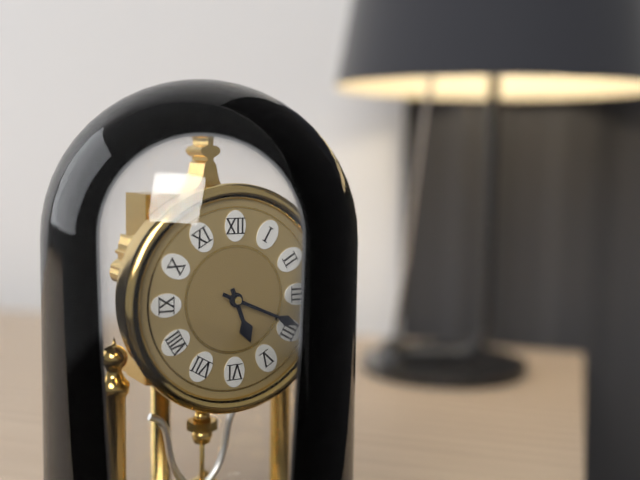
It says **5:19**
